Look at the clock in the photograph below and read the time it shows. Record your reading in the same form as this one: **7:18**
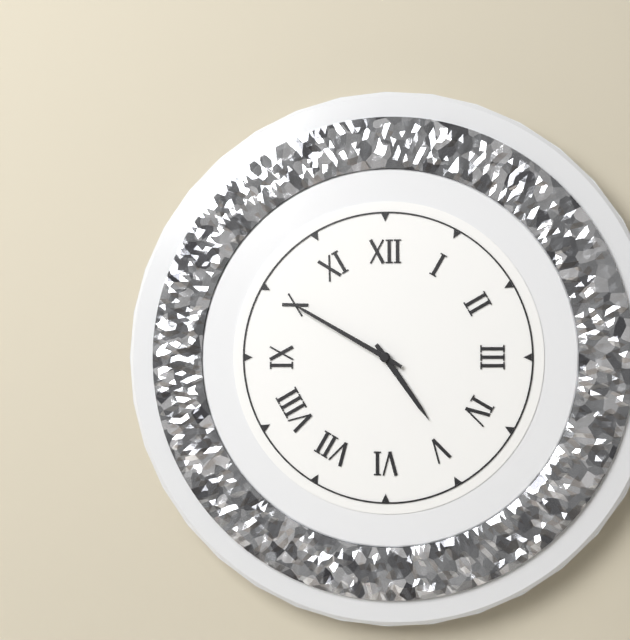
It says **4:50**
